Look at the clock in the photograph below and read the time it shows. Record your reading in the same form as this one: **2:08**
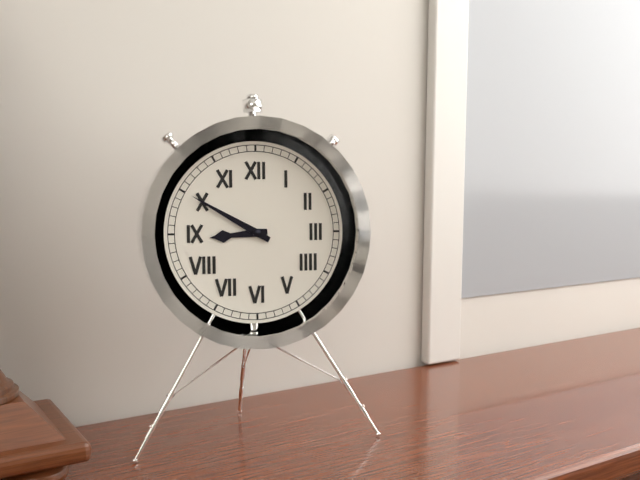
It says **8:50**
